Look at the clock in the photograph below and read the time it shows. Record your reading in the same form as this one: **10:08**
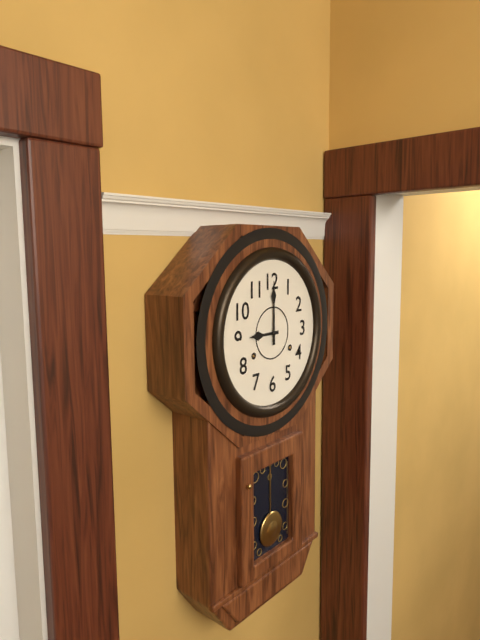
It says **9:00**
